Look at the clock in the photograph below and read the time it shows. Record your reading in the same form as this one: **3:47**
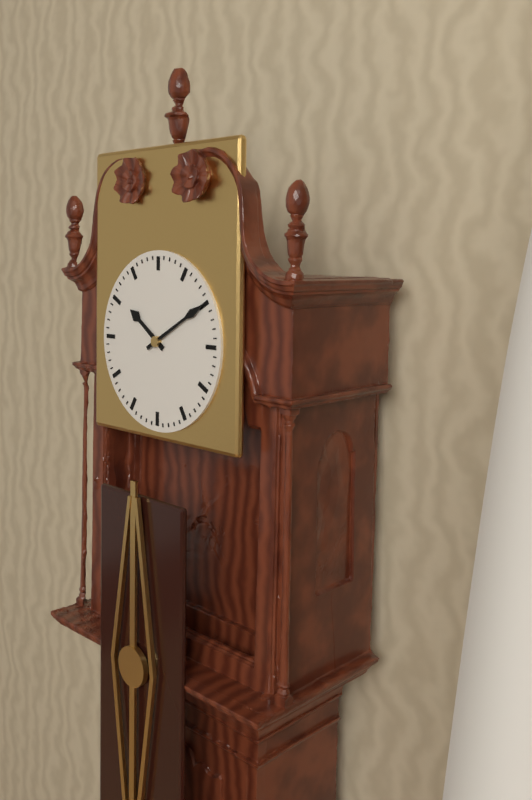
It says **10:10**
